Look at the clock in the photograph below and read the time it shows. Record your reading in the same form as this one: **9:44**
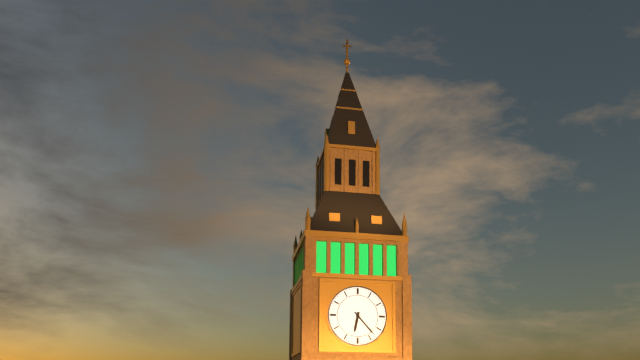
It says **6:23**
